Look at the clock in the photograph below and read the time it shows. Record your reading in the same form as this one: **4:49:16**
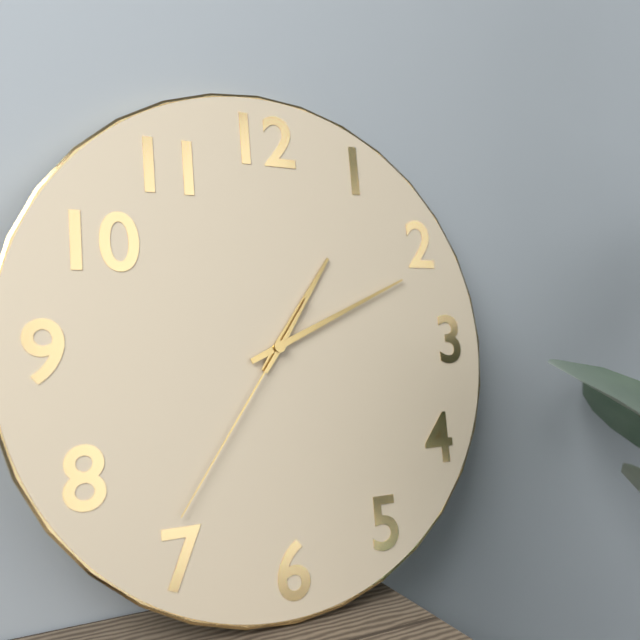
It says **1:11:36**
